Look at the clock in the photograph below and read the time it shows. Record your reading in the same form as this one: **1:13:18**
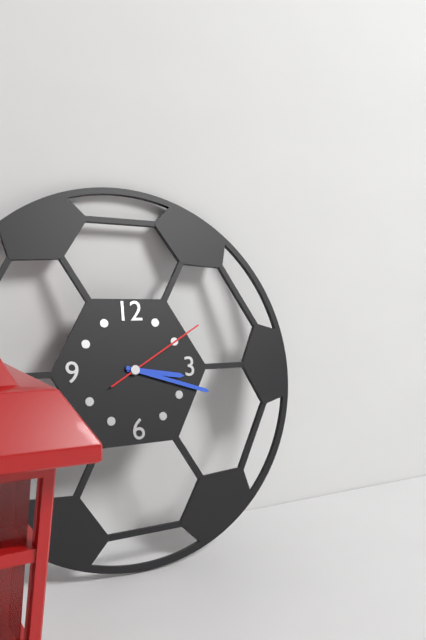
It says **3:18:10**
